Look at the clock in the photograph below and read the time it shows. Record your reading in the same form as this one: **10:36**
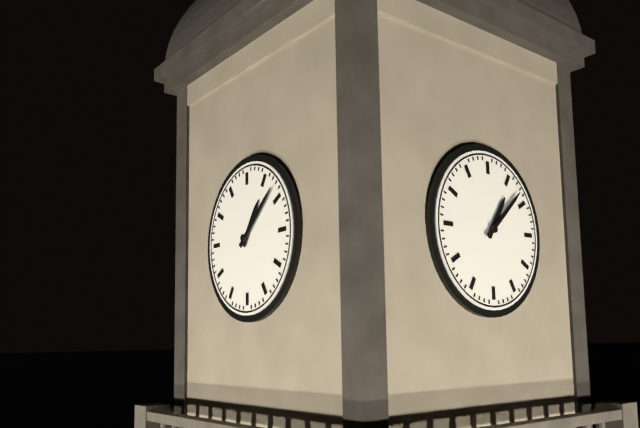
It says **1:08**
